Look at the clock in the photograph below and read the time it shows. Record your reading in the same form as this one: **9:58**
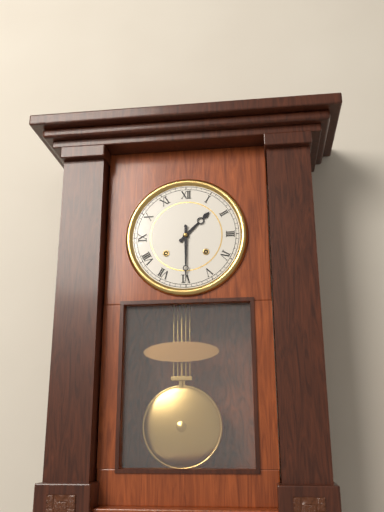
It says **1:30**
